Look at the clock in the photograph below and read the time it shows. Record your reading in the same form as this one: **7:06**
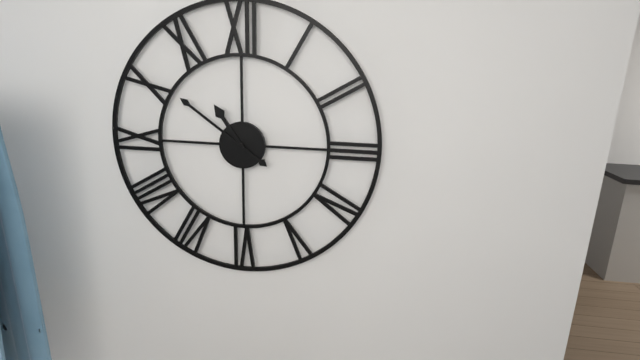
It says **10:51**
